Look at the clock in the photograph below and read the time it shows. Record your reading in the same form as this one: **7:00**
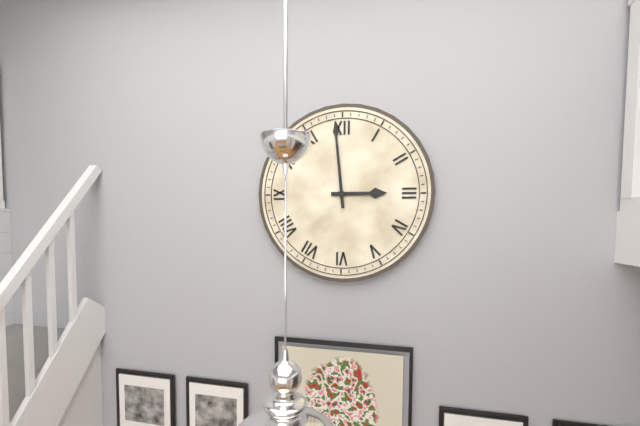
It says **2:59**
